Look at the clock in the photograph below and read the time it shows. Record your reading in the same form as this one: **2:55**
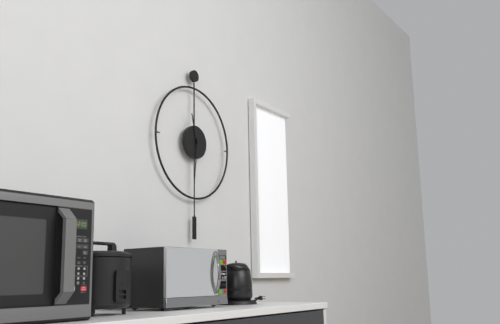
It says **11:31**
